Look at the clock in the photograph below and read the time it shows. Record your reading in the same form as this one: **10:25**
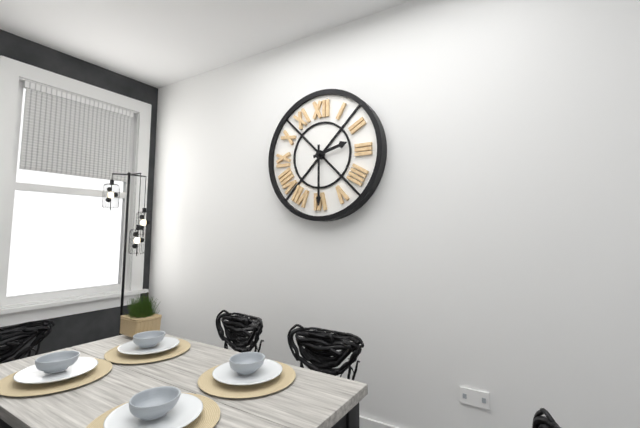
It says **2:30**
